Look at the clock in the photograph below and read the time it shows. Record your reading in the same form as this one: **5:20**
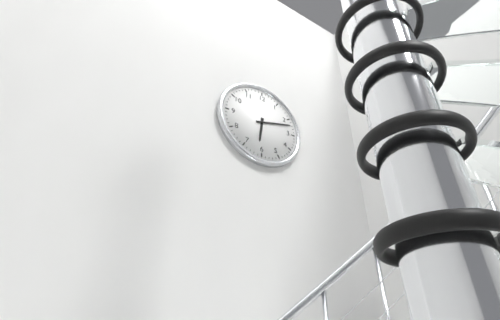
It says **6:12**
